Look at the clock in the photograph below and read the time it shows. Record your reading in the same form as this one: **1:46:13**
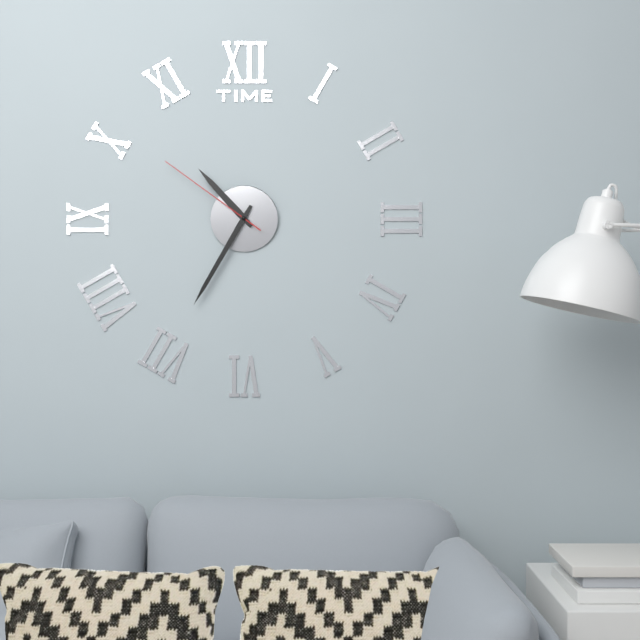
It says **10:35:51**
